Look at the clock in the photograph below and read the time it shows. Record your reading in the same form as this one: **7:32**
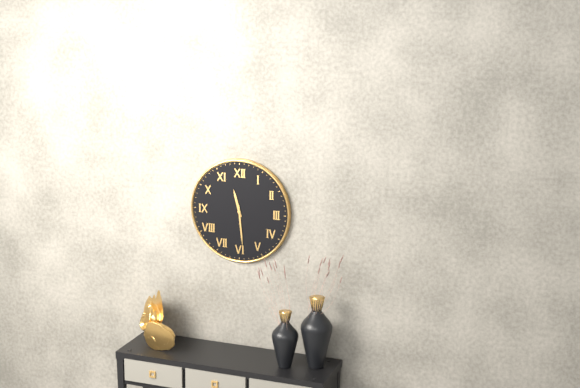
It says **11:29**
